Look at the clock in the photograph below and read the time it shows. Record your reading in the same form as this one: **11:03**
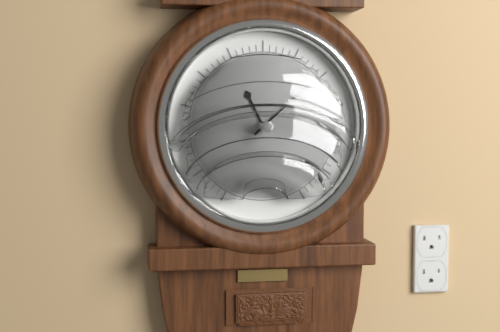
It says **11:08**
